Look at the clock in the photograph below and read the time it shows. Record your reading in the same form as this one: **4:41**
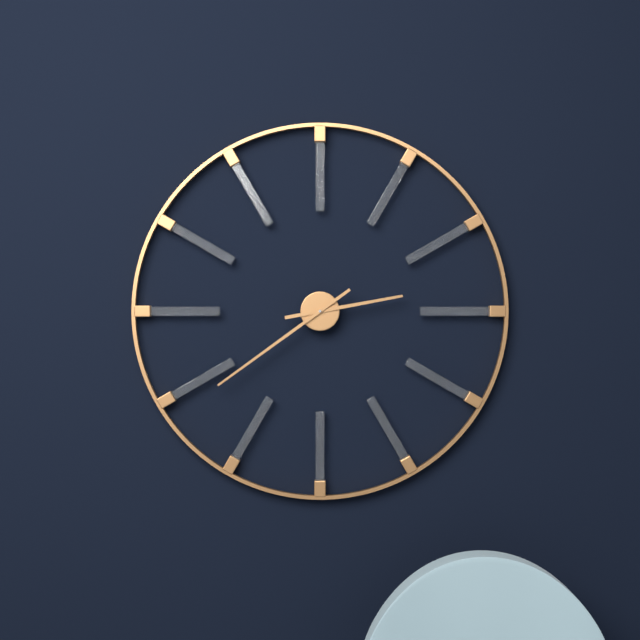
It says **2:39**
